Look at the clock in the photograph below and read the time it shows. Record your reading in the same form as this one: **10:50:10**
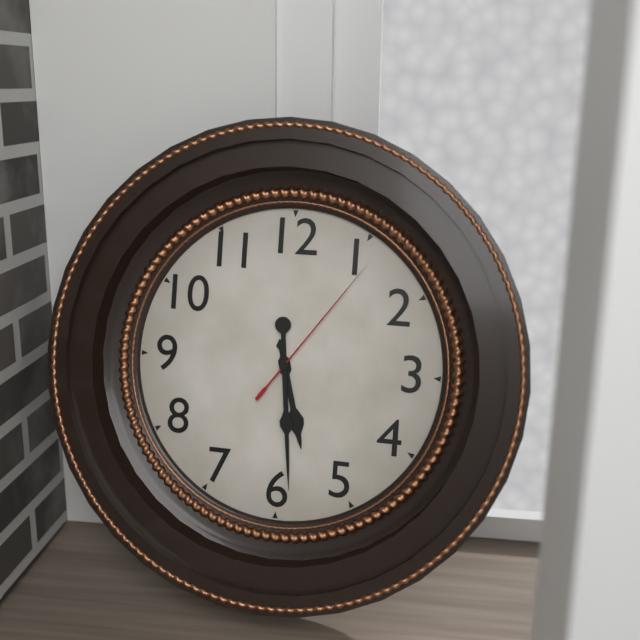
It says **5:29:06**
